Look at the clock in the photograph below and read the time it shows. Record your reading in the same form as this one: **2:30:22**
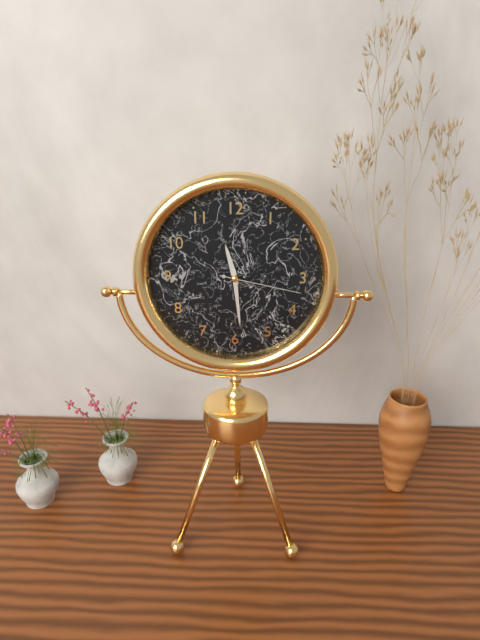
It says **11:29:17**
